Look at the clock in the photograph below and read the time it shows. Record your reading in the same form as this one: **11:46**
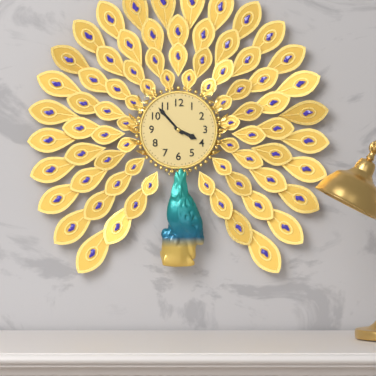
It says **3:53**
